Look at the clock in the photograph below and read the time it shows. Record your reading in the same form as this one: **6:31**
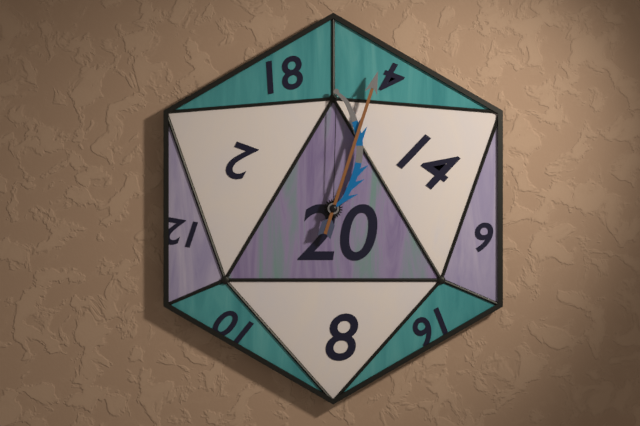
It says **12:03**
